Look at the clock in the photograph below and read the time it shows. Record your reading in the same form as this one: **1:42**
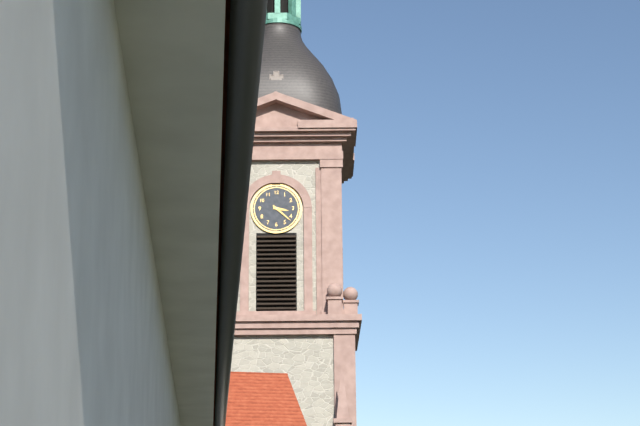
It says **3:22**
